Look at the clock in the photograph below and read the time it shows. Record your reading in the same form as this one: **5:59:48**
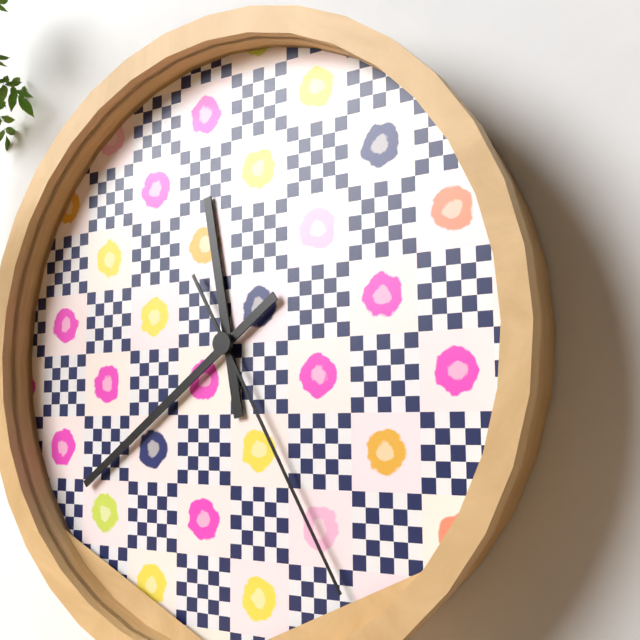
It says **11:39:25**
